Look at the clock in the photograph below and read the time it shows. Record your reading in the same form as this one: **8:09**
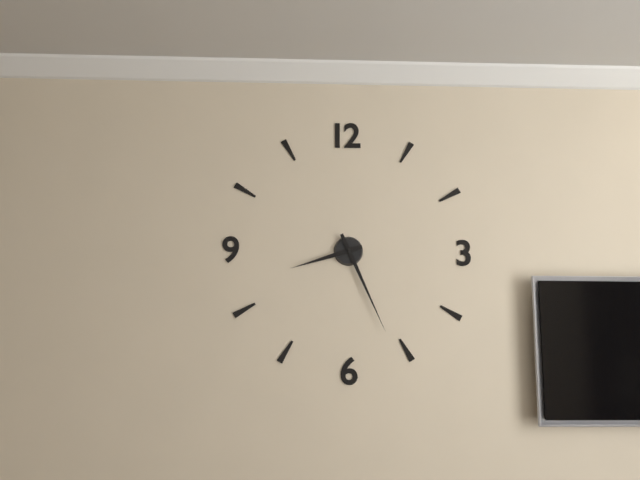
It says **8:26**
